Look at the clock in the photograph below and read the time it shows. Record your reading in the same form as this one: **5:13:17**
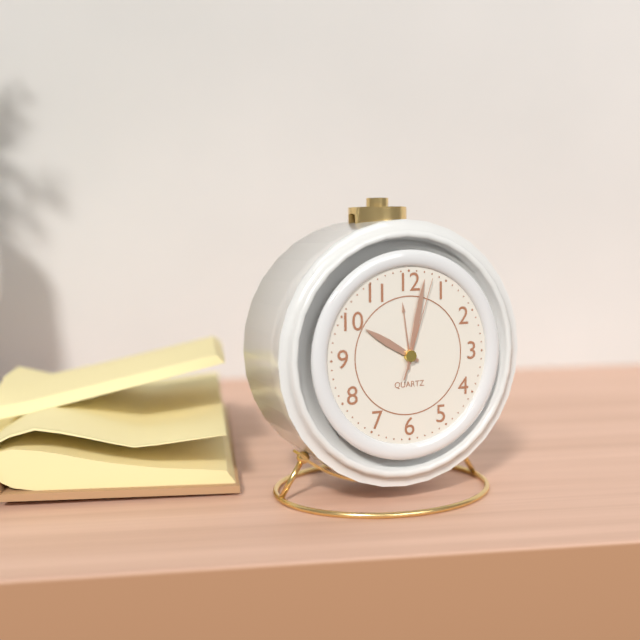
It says **10:02:03**
